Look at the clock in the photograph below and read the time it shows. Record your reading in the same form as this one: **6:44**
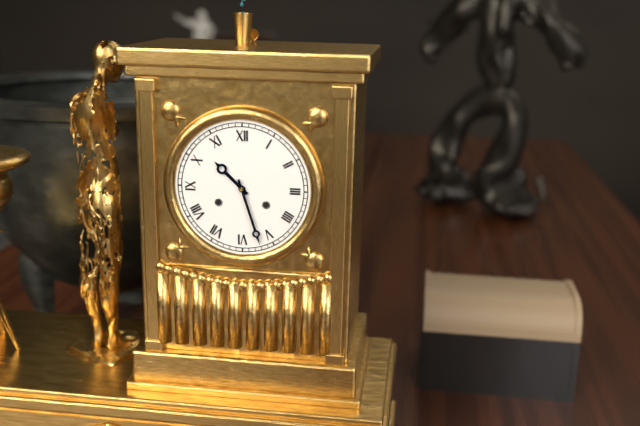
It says **10:27**
